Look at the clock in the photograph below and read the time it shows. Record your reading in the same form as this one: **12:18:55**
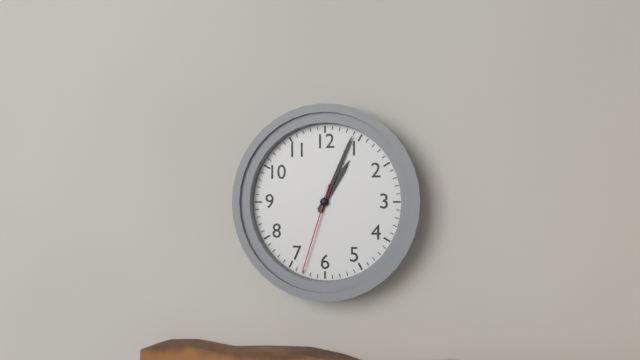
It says **1:04:33**
